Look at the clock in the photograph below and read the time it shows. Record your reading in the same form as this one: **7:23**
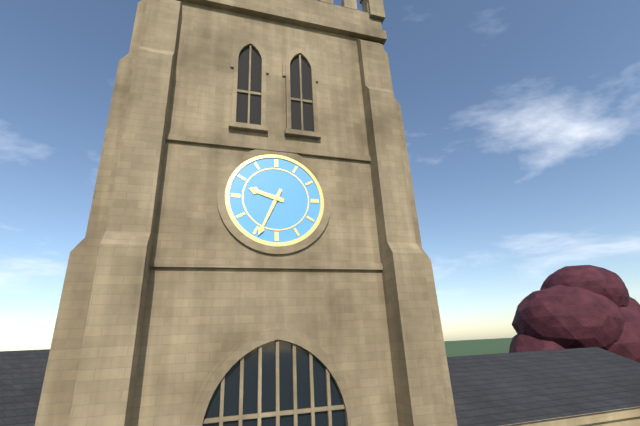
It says **9:34**
